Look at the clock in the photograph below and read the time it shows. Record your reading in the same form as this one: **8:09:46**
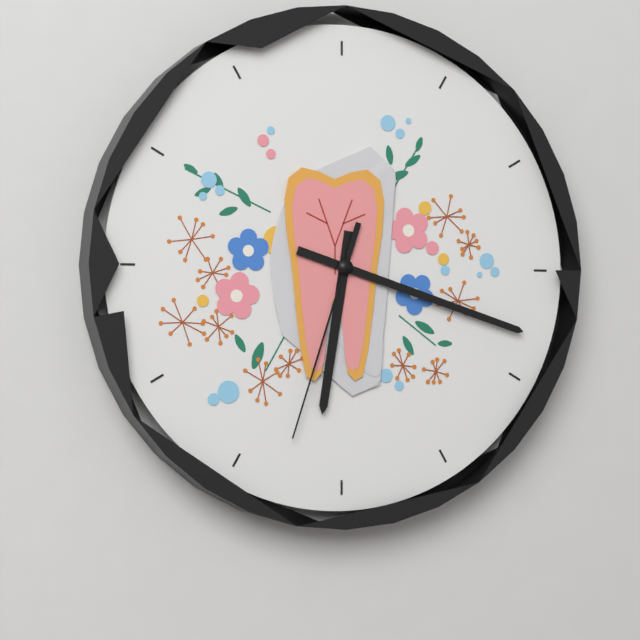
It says **6:18:33**
